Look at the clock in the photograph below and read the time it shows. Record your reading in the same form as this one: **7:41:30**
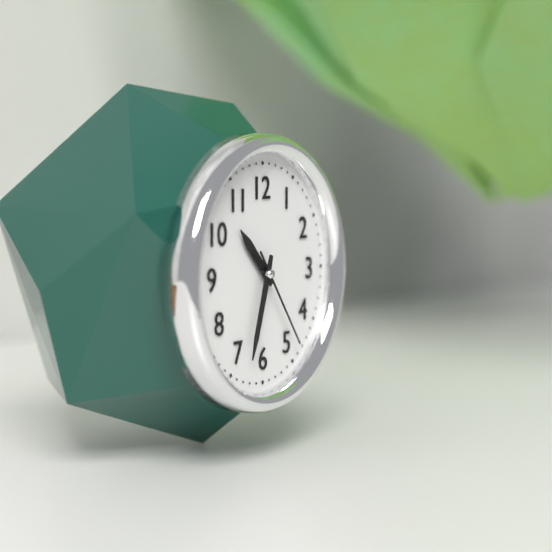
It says **10:33:24**
